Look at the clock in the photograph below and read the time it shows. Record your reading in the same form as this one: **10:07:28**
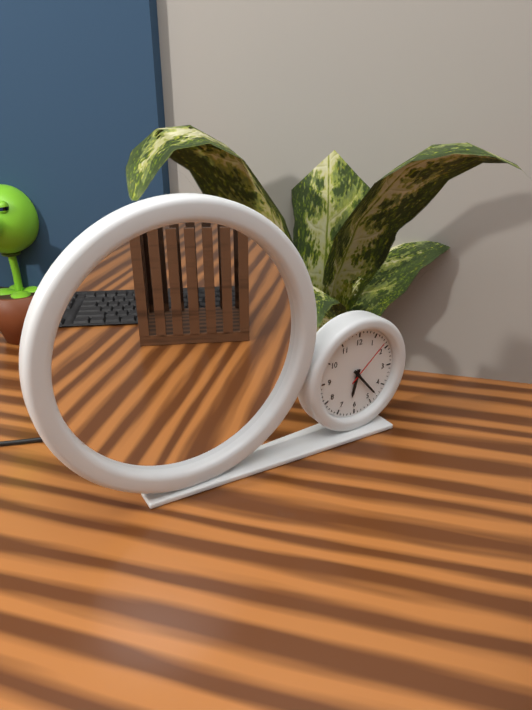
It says **6:23:08**
